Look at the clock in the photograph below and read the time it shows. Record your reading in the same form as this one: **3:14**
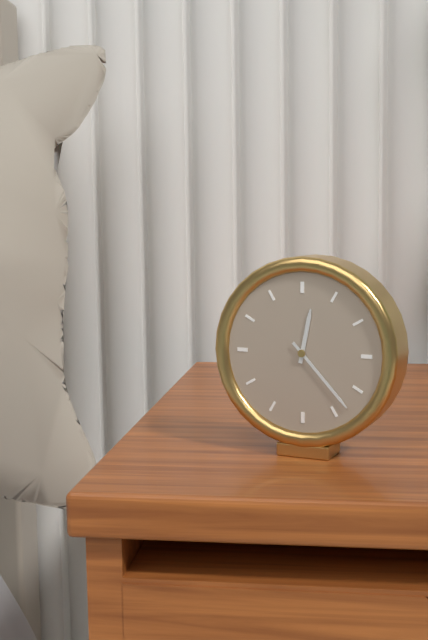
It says **12:23**
